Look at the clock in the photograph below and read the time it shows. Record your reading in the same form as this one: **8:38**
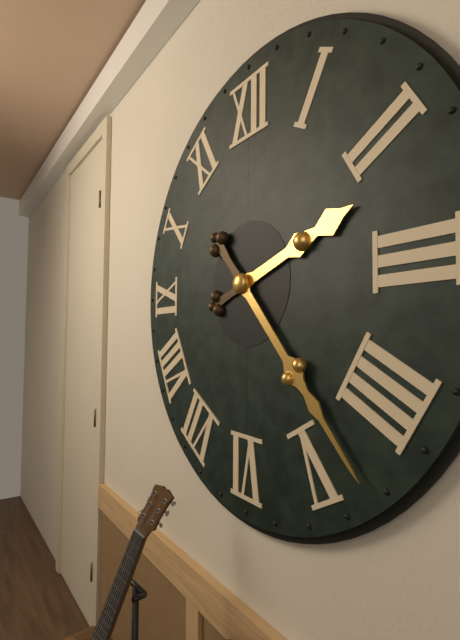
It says **2:23**
